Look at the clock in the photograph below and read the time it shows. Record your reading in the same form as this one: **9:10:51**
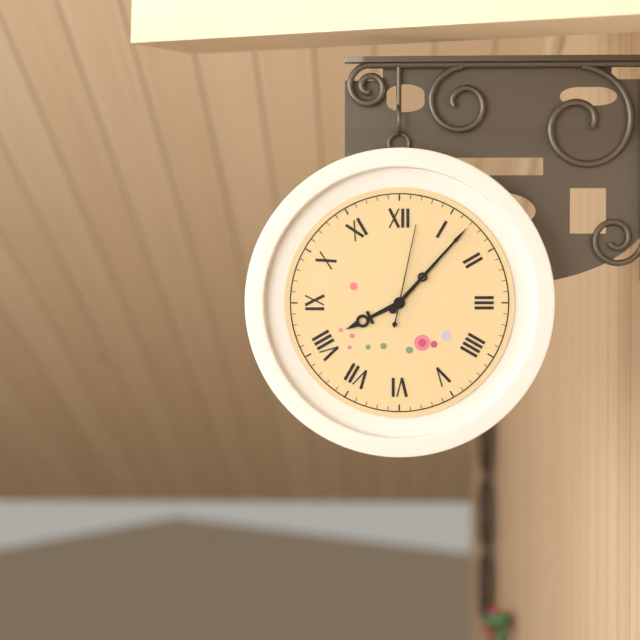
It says **8:07:02**
